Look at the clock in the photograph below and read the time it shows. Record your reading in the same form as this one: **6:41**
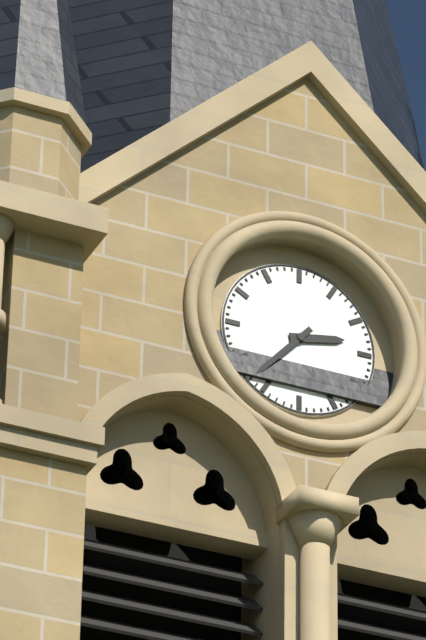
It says **2:37**
